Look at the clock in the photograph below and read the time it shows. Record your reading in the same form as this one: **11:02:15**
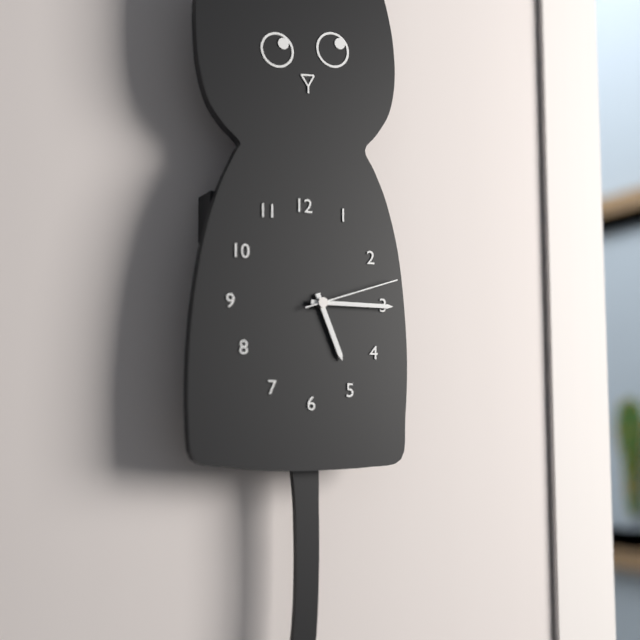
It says **5:15:12**
